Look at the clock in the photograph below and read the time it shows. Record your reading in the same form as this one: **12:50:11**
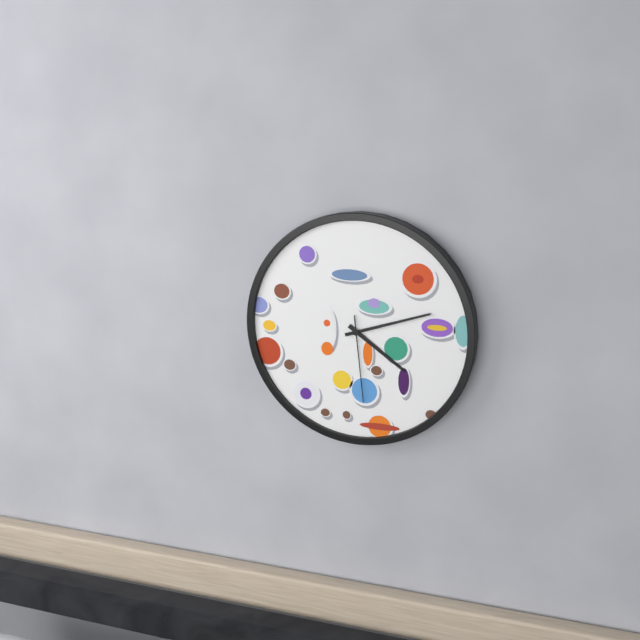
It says **4:12:29**
